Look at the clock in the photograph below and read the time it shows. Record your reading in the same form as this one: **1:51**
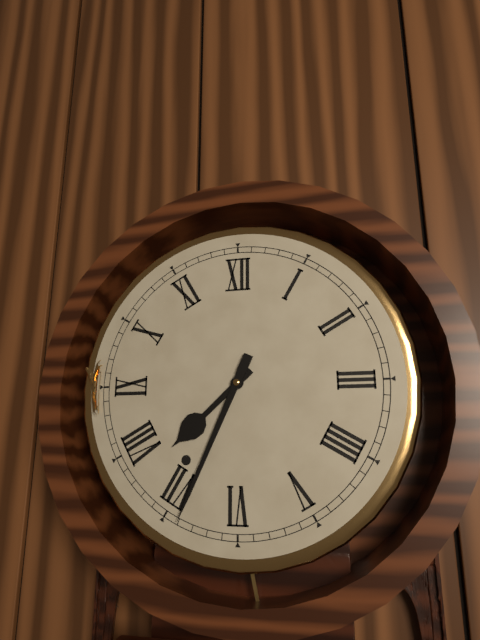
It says **7:34**
